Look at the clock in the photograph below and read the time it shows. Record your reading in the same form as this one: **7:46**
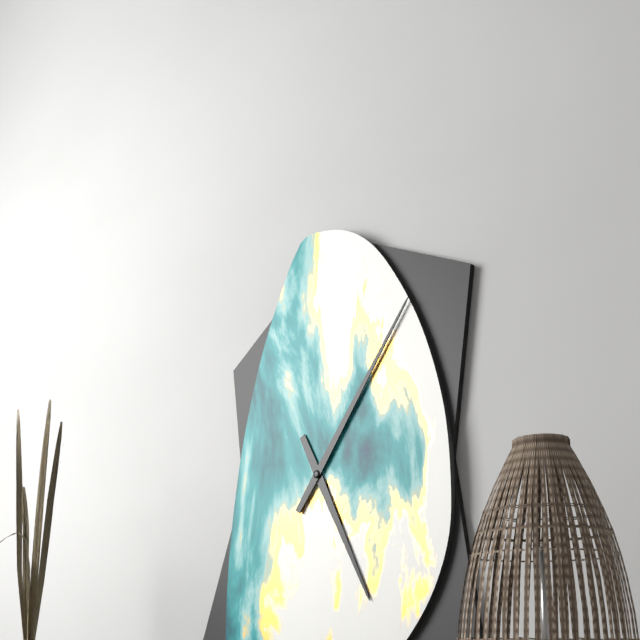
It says **5:06**
